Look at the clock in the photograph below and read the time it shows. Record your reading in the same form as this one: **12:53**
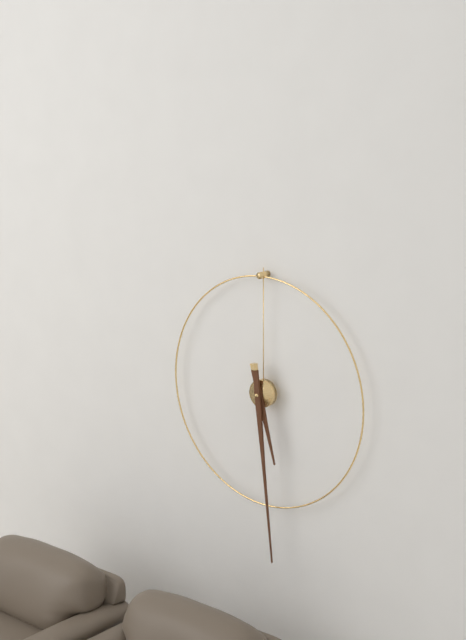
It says **5:29**
